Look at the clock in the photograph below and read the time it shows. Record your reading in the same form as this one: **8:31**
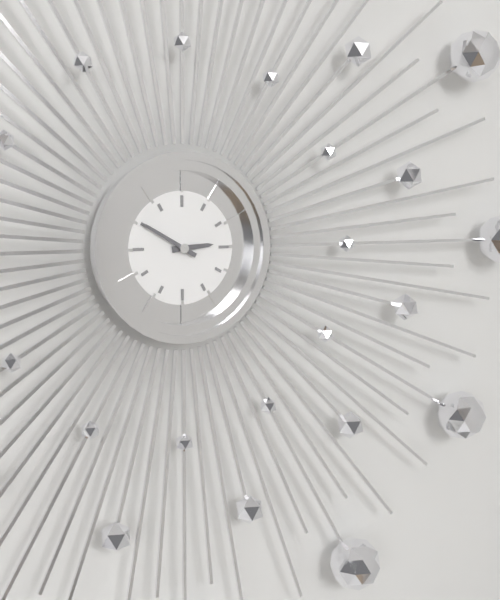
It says **2:50**
